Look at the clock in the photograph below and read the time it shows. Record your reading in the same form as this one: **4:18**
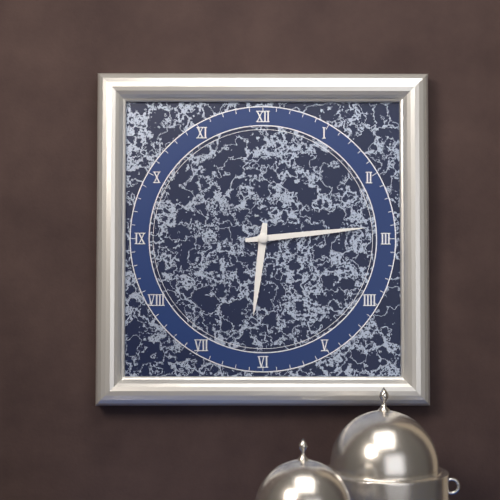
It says **6:14**
